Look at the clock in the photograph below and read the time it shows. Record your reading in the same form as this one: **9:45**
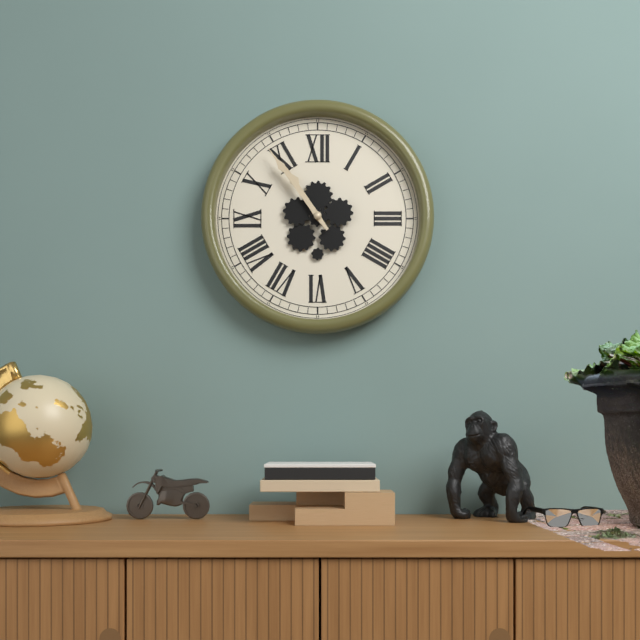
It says **10:54**
